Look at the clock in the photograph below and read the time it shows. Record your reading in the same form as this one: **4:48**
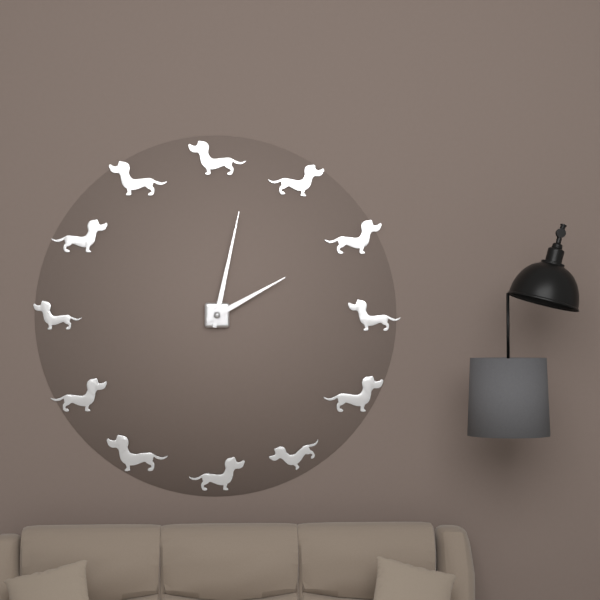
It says **2:02**
